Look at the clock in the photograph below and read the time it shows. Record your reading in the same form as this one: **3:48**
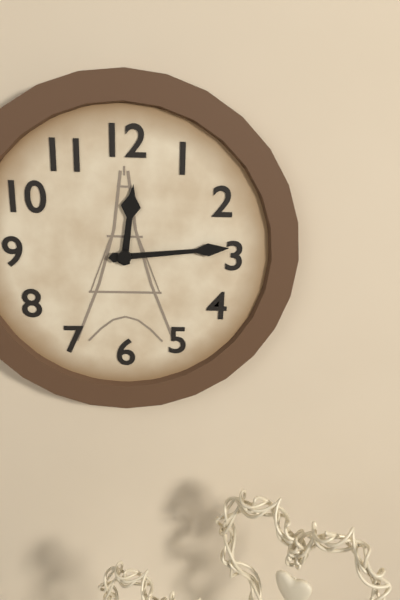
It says **12:14**
